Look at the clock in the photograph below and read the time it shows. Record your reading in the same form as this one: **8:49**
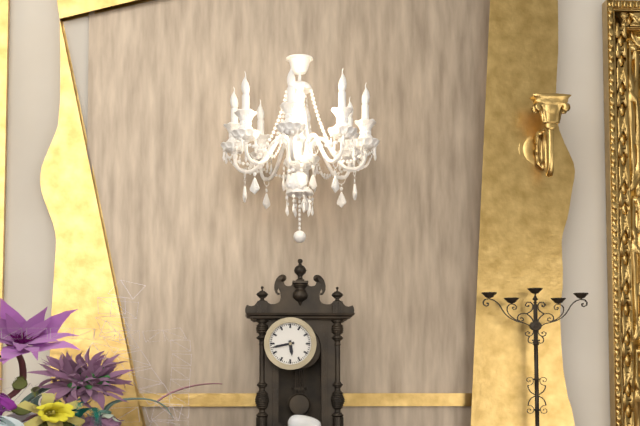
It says **5:43**
